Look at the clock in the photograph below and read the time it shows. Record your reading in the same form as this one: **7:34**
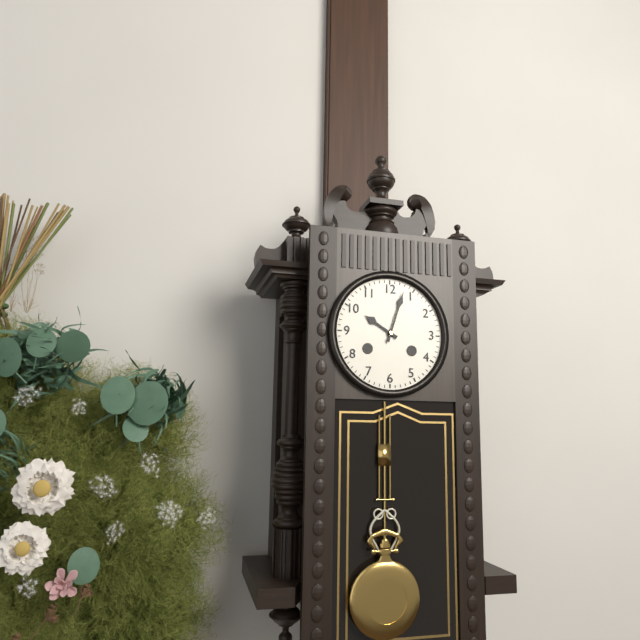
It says **10:03**
